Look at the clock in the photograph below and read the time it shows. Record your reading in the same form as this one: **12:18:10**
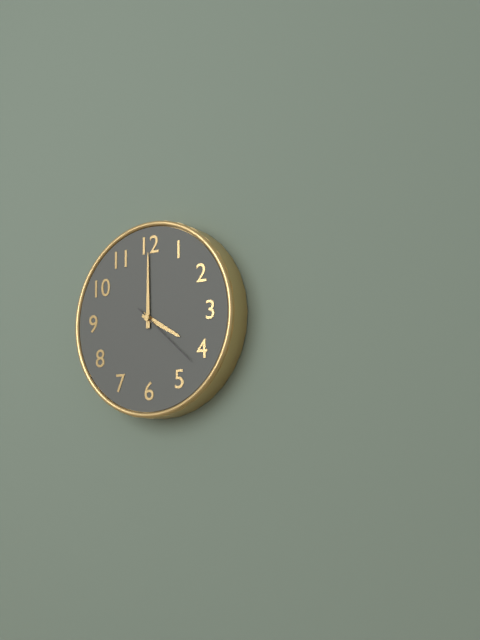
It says **4:00:22**
